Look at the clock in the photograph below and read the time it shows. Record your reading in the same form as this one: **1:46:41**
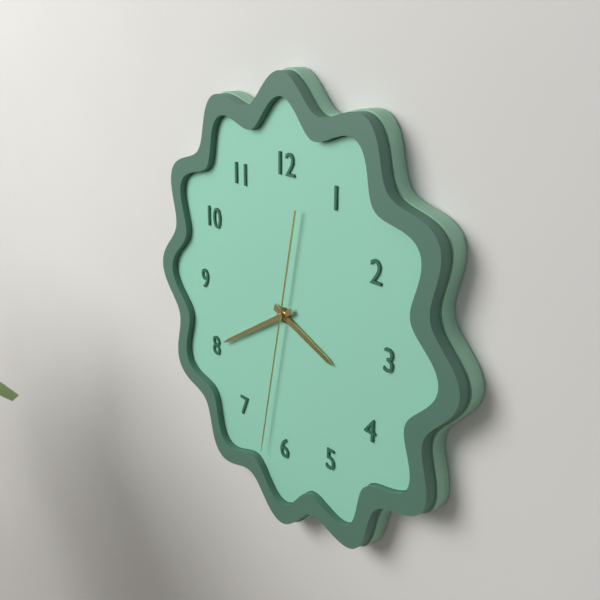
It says **3:40:32**
